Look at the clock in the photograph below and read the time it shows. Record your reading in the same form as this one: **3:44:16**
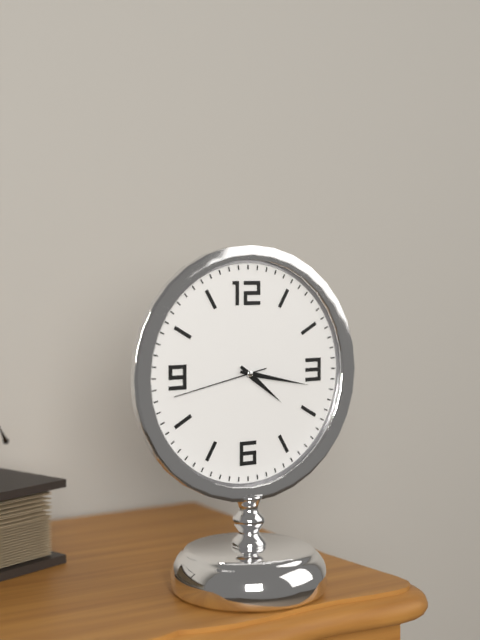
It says **4:17:43**
